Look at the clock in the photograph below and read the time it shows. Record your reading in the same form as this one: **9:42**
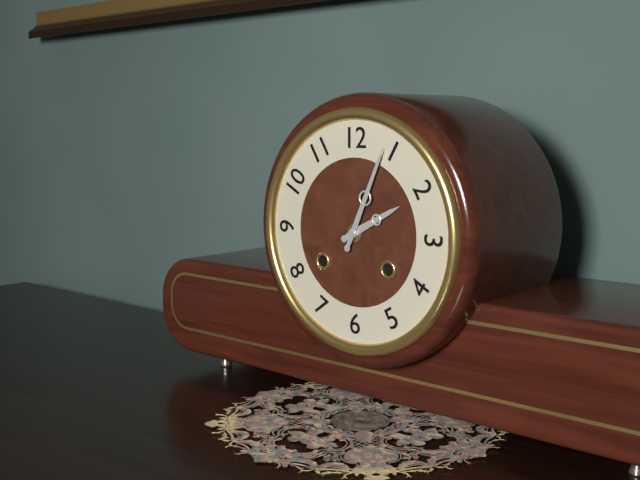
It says **2:04**
